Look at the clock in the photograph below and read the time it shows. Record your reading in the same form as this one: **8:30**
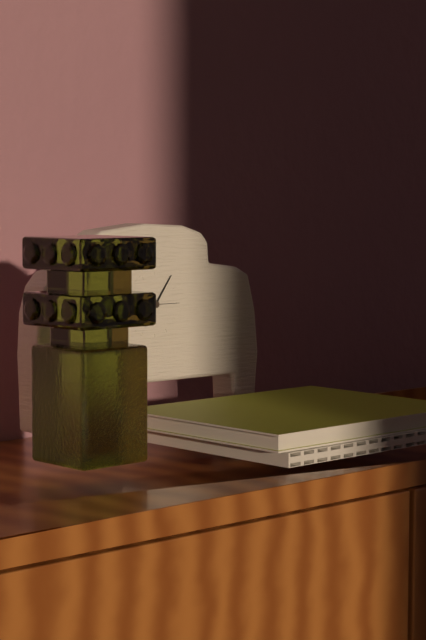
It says **7:06**
